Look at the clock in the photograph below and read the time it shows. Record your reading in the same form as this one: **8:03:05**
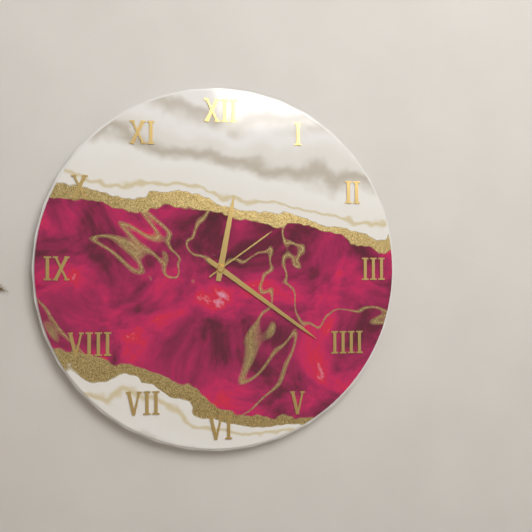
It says **12:21:09**
